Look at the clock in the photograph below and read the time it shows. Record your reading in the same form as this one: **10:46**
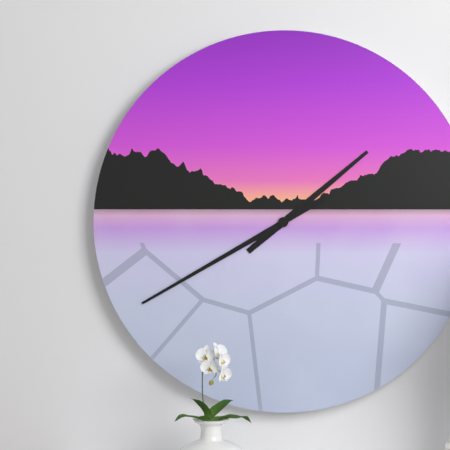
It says **1:40**
